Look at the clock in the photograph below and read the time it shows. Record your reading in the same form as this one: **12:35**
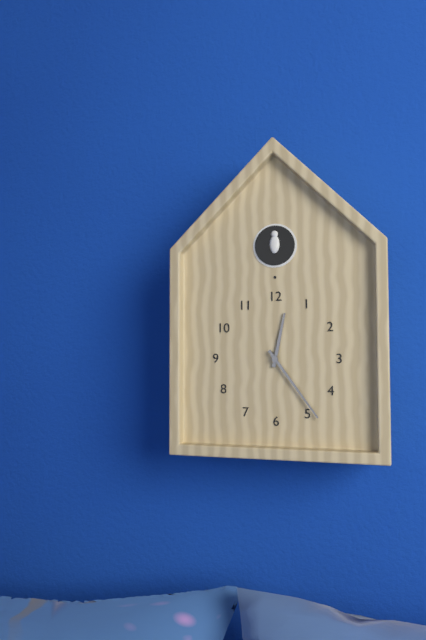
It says **12:24**
